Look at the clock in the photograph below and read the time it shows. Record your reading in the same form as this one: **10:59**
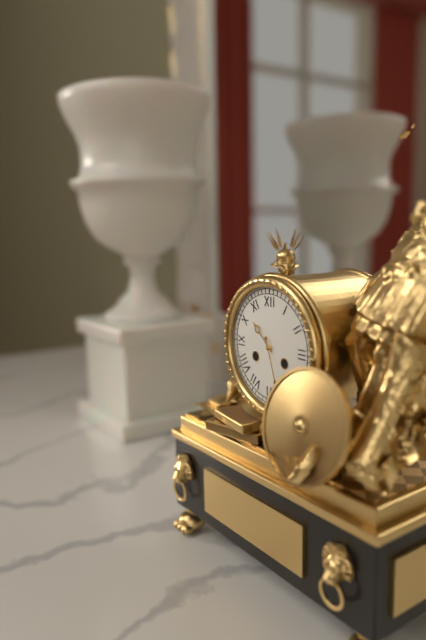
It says **10:27**
